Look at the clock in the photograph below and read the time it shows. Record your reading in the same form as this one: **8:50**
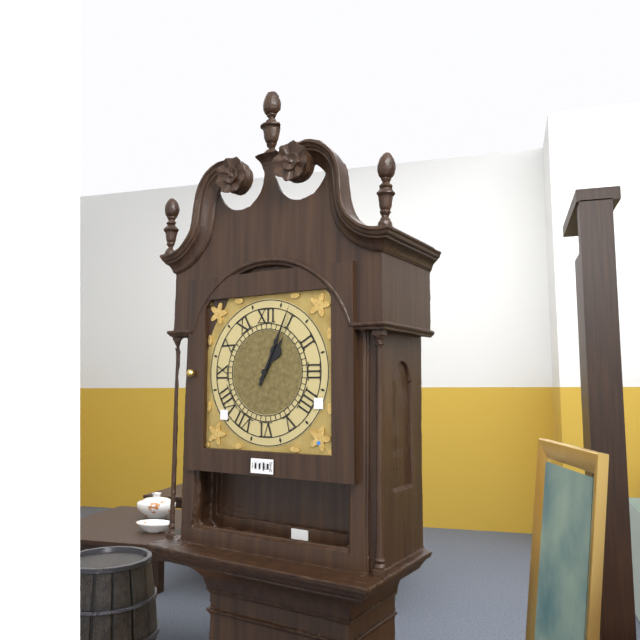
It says **1:04**
